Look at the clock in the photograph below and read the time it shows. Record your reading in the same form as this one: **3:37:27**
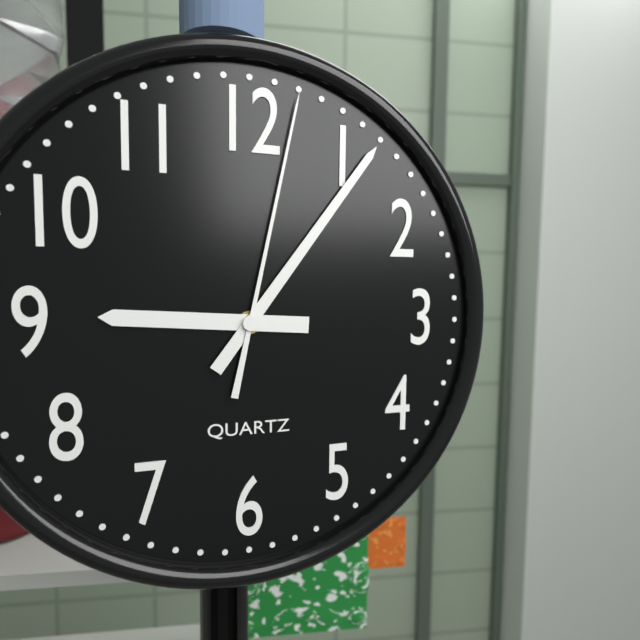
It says **9:06:02**
